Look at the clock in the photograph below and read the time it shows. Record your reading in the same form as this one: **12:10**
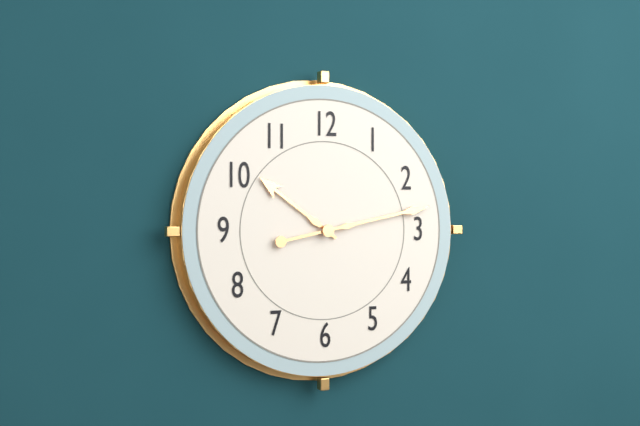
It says **10:13**
